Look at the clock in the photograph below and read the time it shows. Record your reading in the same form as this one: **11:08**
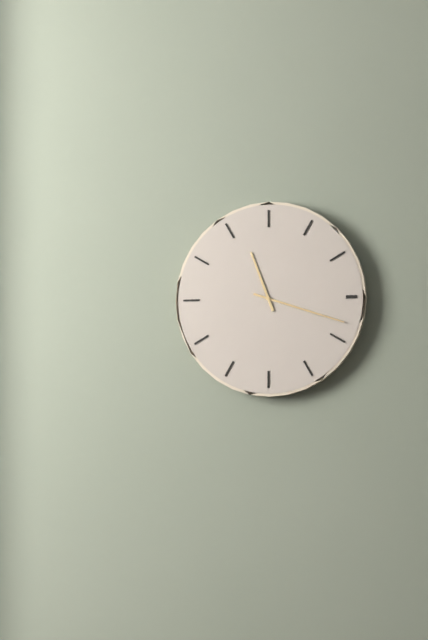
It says **11:18**
